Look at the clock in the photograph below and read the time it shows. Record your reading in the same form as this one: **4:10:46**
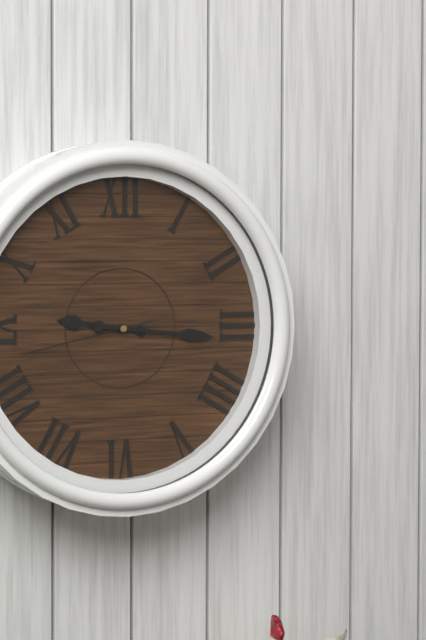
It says **9:16:43**
